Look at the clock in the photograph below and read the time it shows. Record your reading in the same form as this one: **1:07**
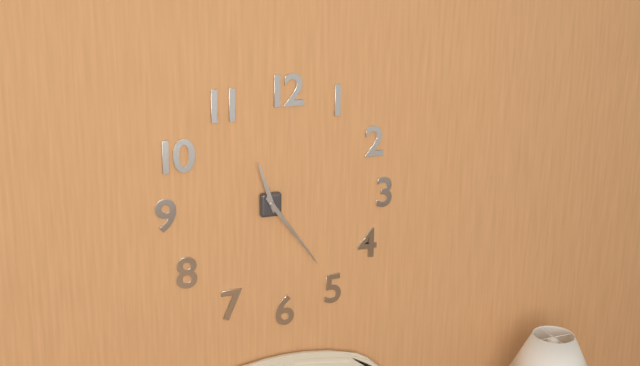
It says **11:24**
